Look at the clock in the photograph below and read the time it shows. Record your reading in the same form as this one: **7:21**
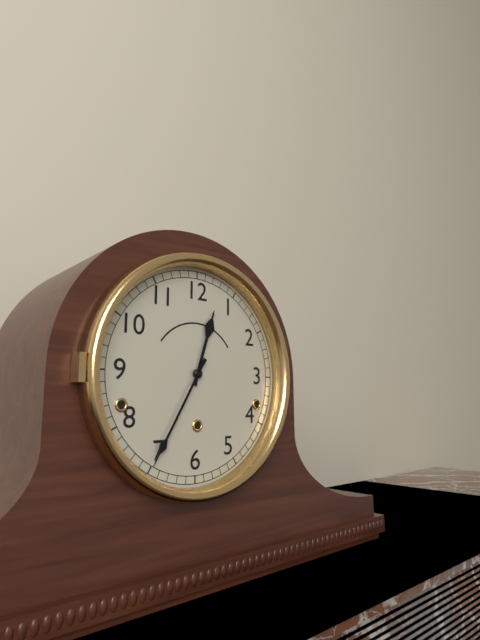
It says **12:35**
